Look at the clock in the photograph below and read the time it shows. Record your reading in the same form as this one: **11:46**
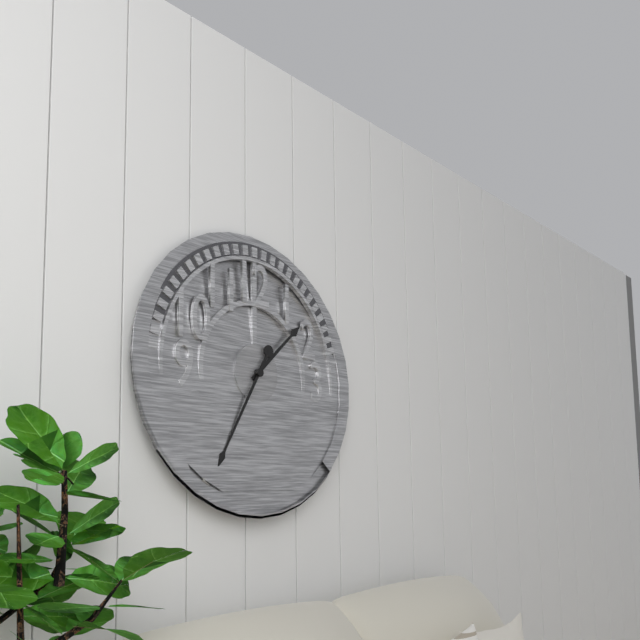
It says **1:35**
